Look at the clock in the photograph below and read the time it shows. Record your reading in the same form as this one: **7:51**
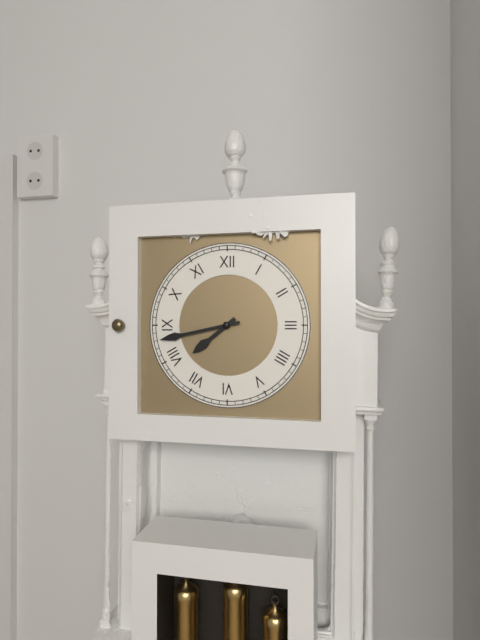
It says **7:43**
